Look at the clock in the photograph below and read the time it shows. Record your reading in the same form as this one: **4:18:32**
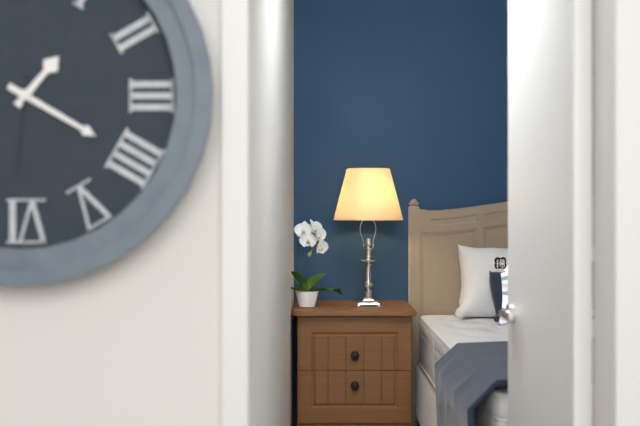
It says **1:20:31**
